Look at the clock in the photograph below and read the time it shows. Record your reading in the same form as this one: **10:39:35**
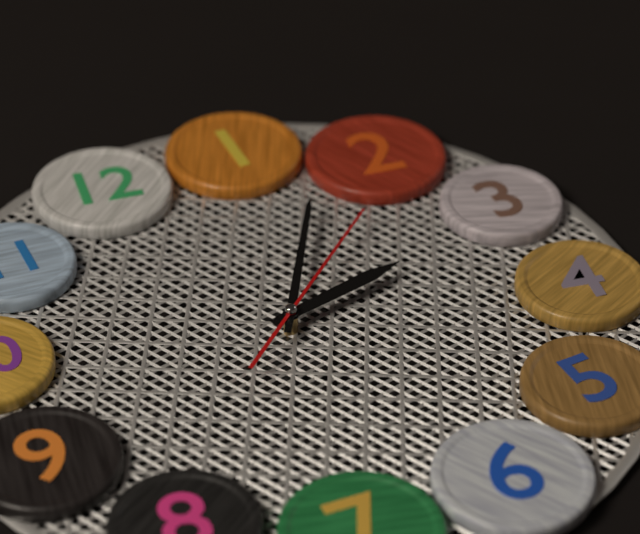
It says **3:08:11**
